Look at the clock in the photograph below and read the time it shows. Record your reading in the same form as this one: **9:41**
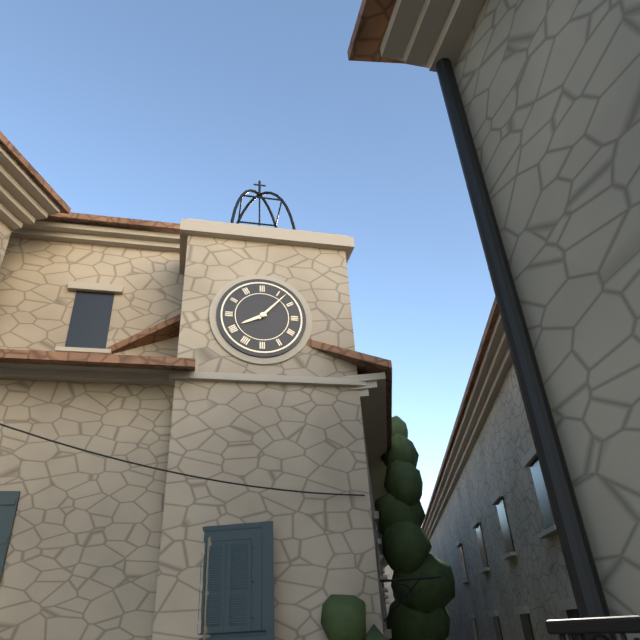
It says **8:07**
